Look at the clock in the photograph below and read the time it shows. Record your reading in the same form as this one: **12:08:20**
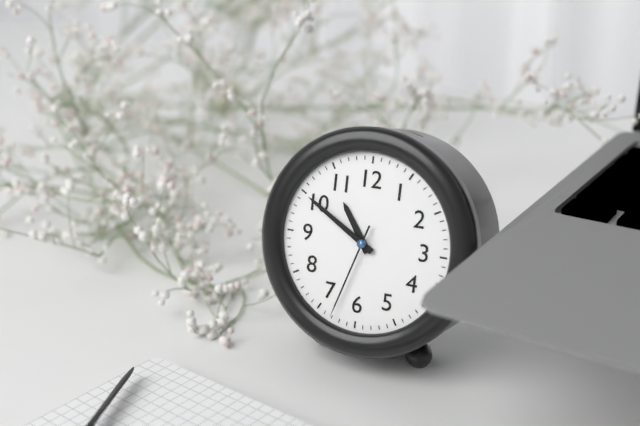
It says **10:50:33**
